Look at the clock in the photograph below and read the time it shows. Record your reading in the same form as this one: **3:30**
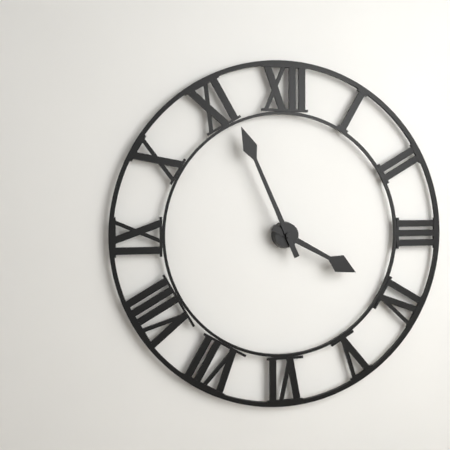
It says **3:56**
